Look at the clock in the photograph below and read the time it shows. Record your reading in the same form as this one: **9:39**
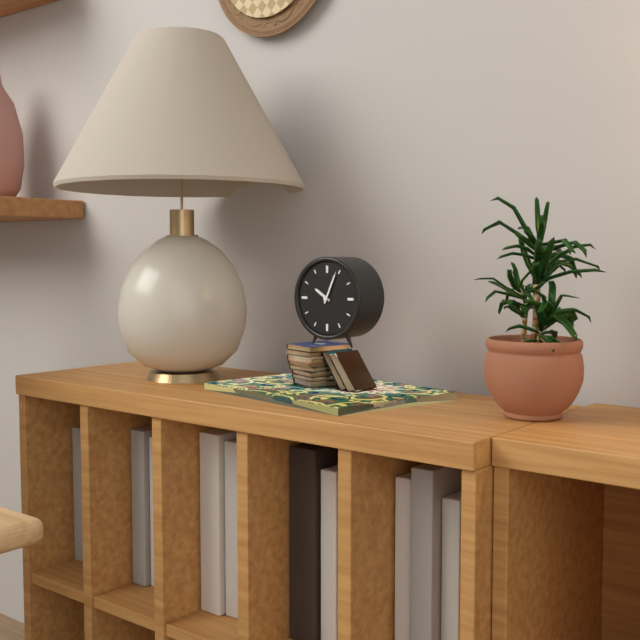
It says **10:04**
